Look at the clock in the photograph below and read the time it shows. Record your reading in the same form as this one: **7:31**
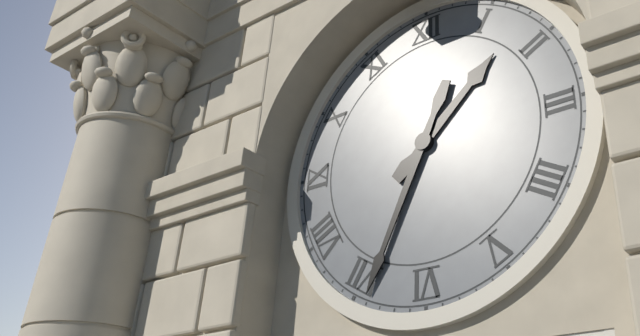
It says **1:34**
